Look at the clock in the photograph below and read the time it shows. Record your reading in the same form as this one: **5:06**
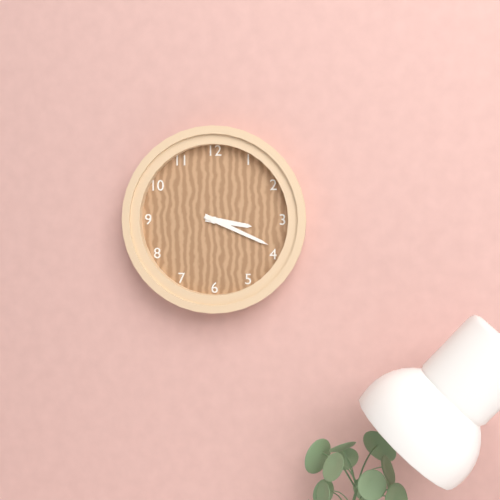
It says **3:19**
